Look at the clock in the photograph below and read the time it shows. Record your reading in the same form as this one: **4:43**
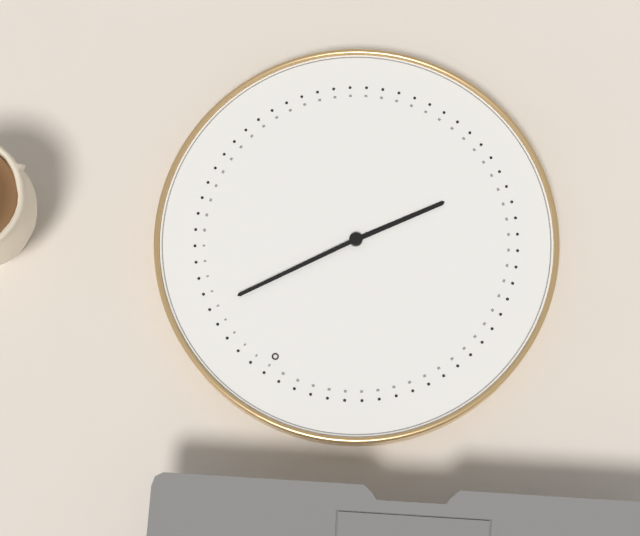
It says **7:05**
